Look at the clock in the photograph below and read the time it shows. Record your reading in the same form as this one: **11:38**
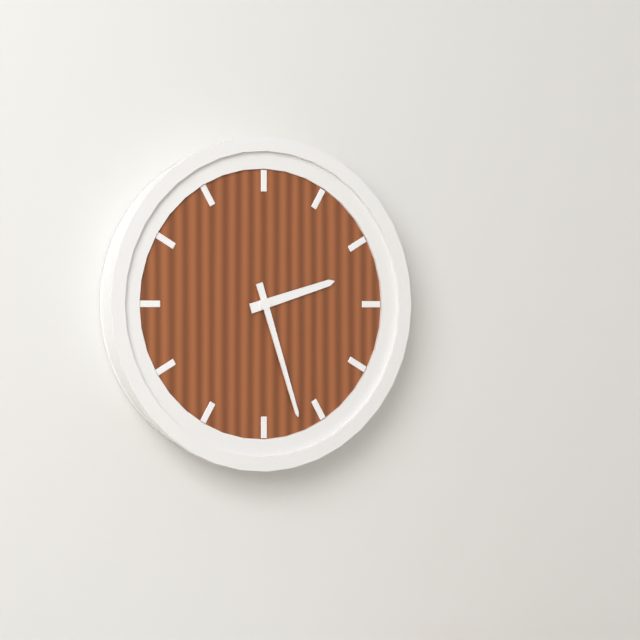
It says **2:27**
